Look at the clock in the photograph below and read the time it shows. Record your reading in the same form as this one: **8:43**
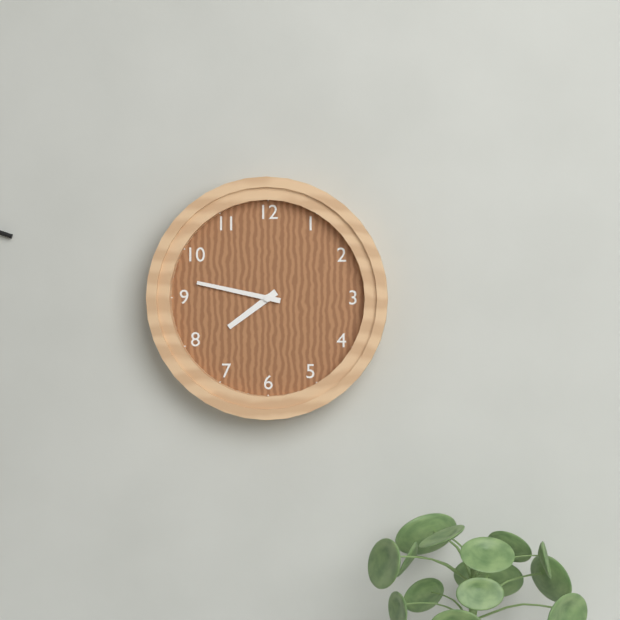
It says **7:47**
